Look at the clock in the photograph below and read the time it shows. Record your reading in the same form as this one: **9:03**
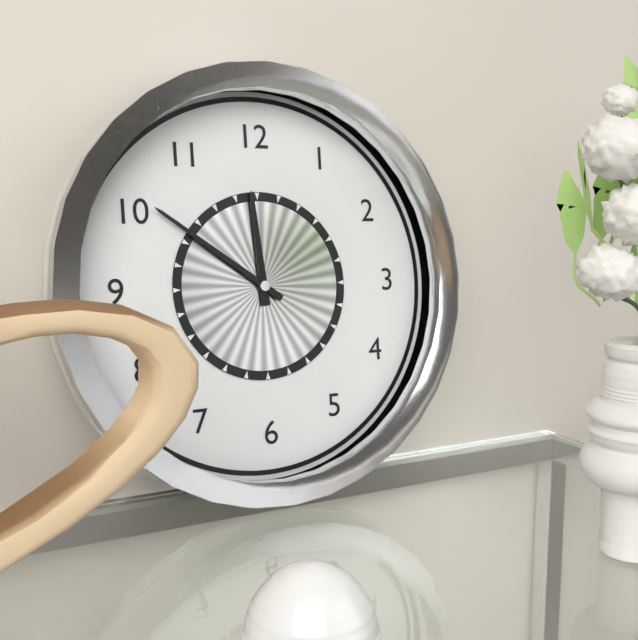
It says **11:51**
